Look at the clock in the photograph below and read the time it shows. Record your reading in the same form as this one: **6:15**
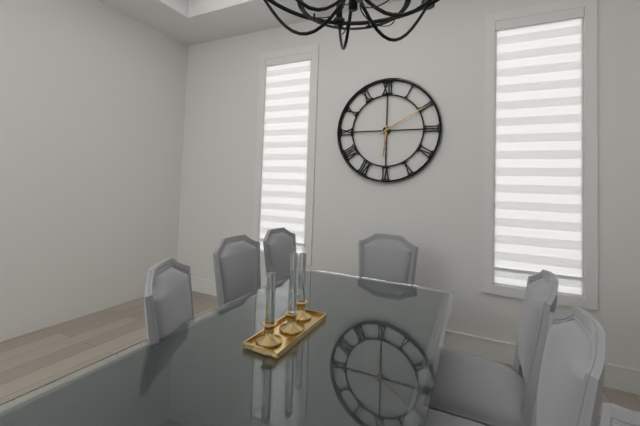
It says **6:10**
